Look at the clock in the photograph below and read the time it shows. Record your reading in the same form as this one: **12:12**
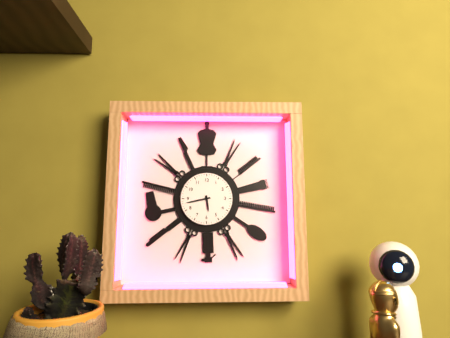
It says **5:43**
